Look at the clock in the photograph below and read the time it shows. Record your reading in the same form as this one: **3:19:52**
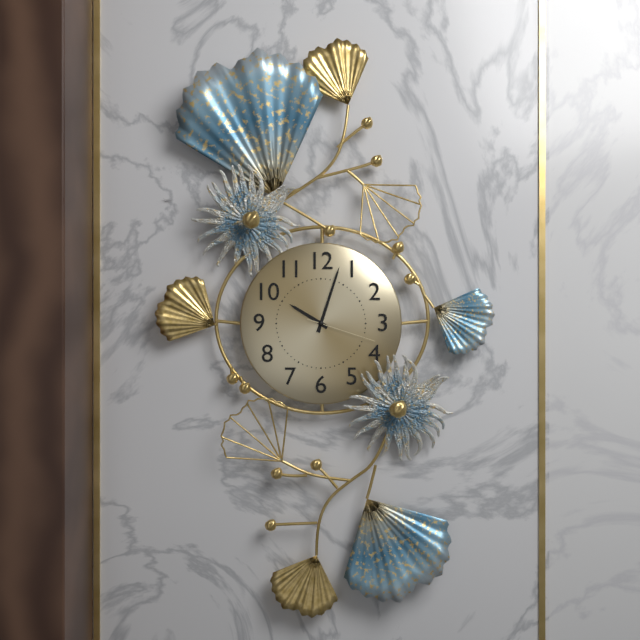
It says **10:03:18**
